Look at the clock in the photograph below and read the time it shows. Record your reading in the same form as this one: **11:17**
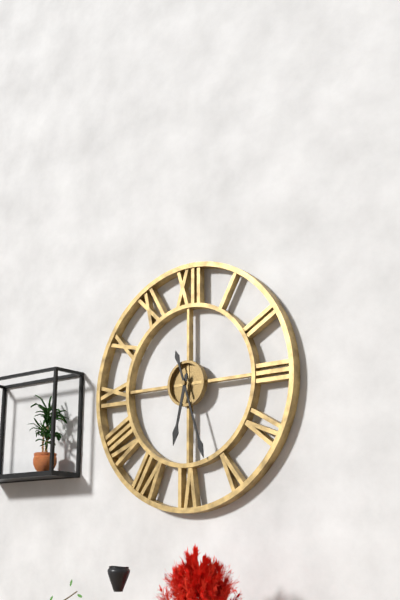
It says **6:27**
